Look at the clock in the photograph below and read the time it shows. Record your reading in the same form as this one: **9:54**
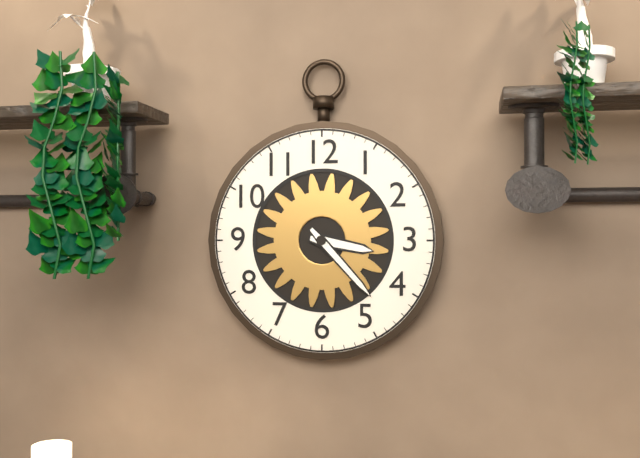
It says **3:23**
